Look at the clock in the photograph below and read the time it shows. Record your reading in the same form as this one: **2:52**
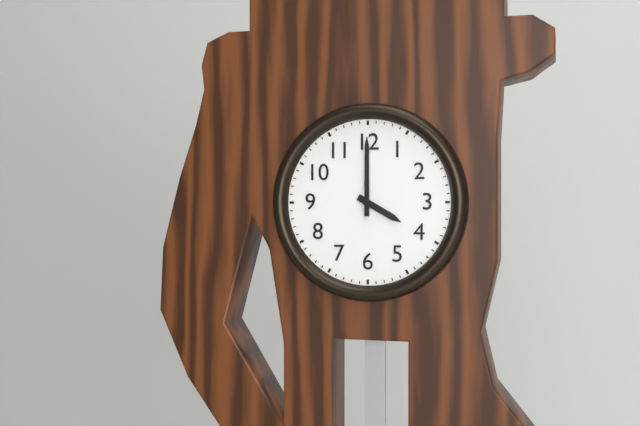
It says **4:00**
